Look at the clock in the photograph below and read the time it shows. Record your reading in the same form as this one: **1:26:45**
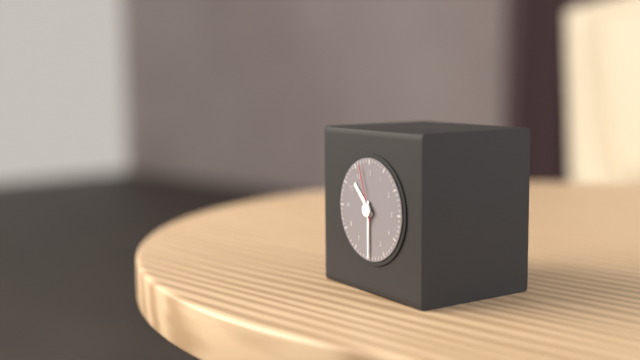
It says **10:30:57**
